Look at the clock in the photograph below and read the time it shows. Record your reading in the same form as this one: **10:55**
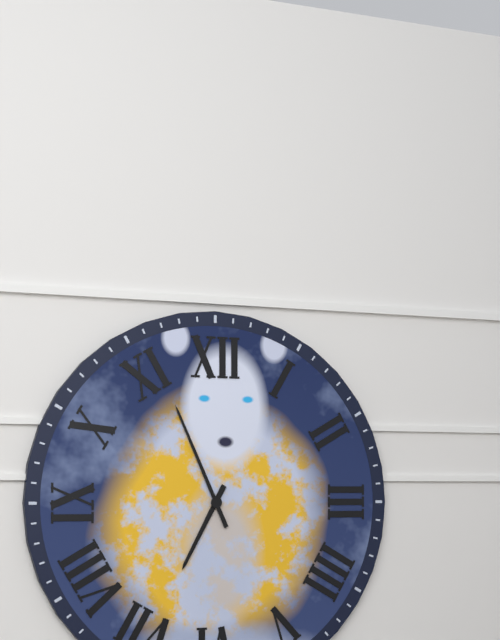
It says **6:56**
